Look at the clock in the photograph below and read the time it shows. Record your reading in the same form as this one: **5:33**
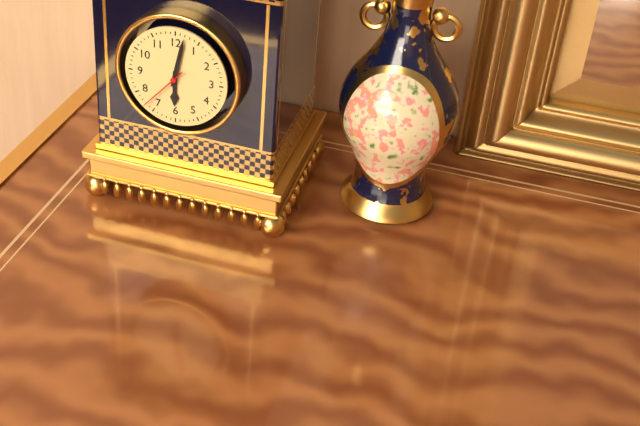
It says **6:02**
